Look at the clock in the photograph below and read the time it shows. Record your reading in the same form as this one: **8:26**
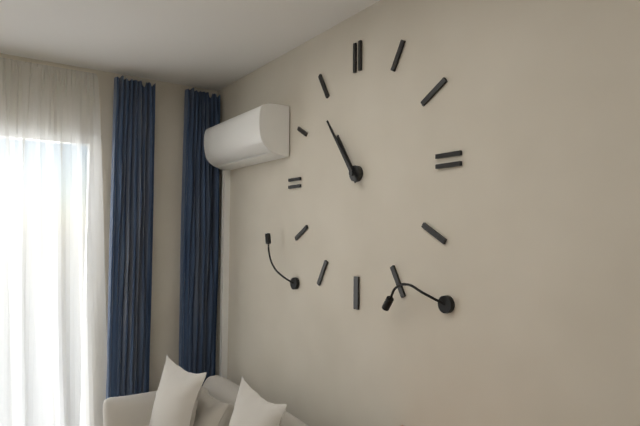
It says **10:54**
